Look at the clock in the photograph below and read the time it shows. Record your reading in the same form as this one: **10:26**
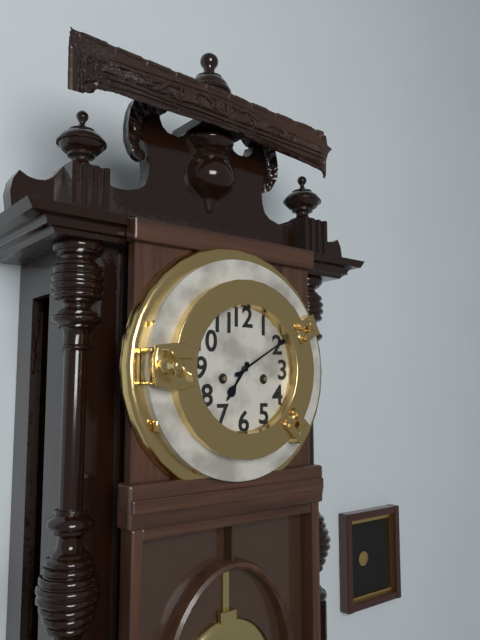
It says **7:10**
